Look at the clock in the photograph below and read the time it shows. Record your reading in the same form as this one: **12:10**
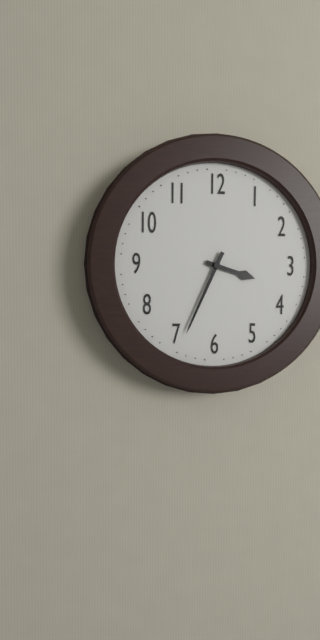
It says **3:34**
